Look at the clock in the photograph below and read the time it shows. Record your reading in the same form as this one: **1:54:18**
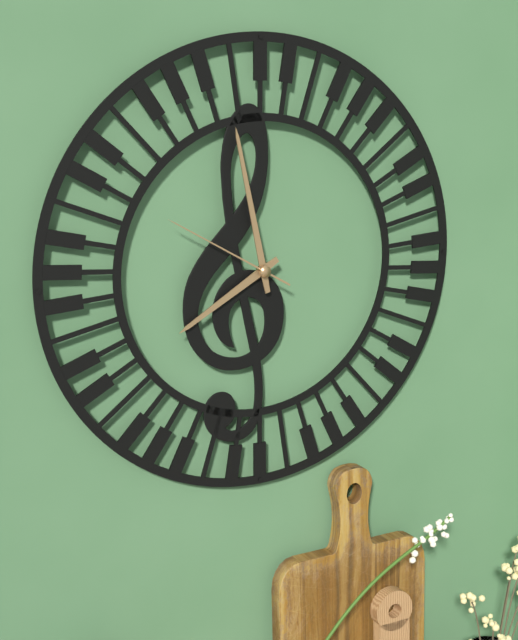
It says **7:58:50**
